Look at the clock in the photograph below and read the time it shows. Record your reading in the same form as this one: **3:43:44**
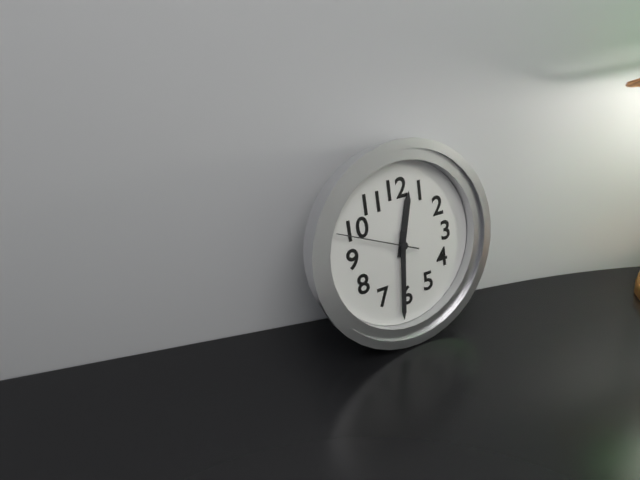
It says **12:31:49**
